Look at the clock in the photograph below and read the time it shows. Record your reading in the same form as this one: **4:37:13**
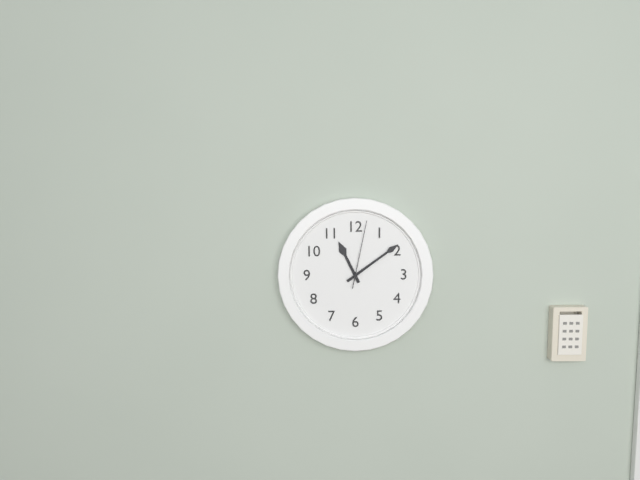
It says **11:09:02**
